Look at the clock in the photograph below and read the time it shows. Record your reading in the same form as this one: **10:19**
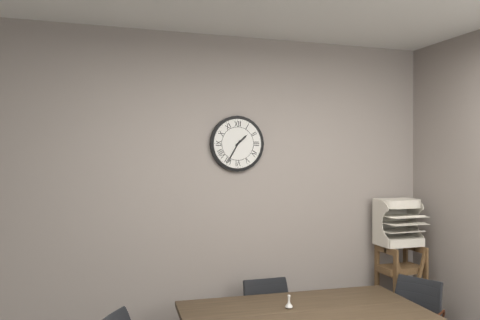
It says **1:35**
